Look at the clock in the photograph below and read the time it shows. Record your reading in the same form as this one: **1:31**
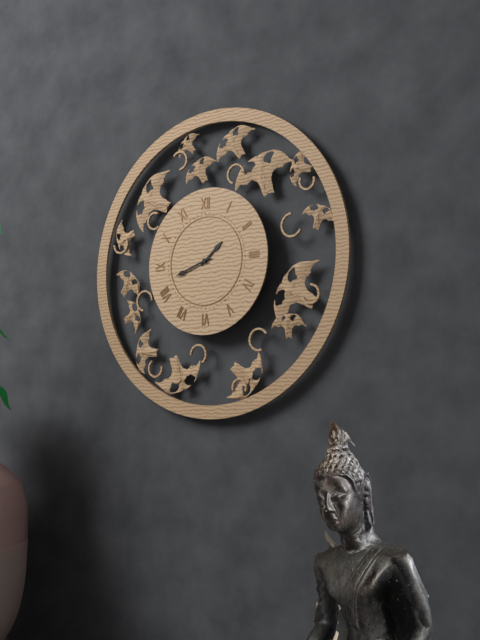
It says **1:42**
